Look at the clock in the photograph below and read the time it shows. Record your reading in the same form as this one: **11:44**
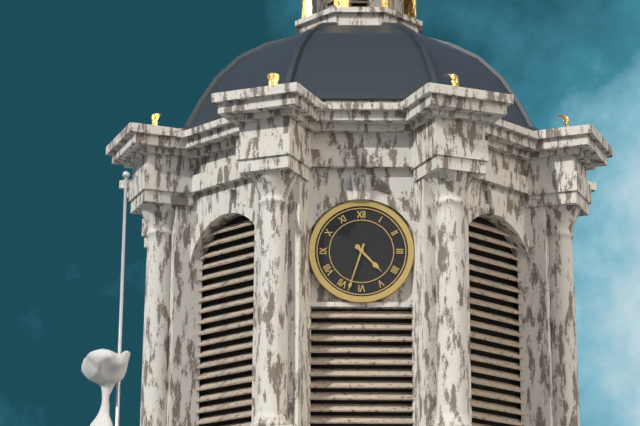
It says **4:33**
